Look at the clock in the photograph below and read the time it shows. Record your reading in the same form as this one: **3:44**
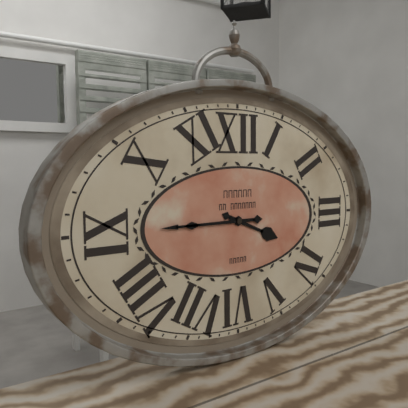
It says **3:45**
